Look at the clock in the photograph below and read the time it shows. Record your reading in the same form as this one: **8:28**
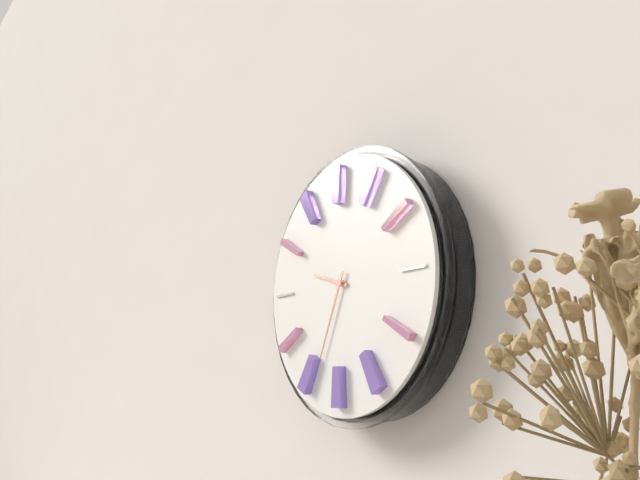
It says **9:34**
